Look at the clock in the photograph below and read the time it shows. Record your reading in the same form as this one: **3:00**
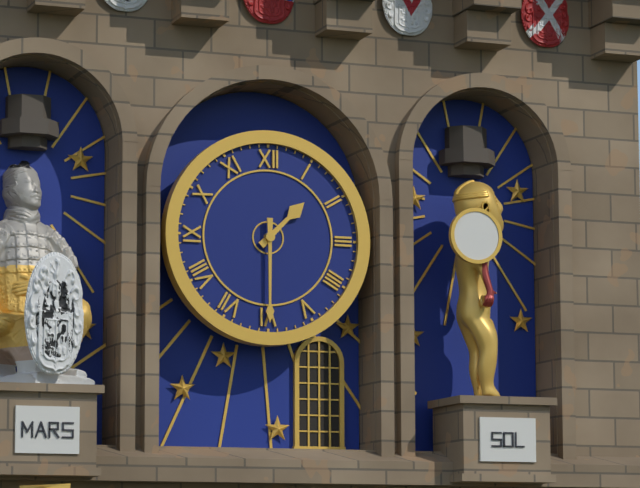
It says **1:30**
